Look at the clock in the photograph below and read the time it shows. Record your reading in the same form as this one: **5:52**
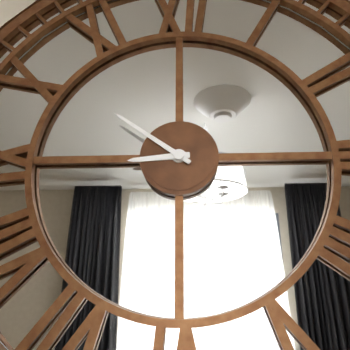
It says **8:51**
